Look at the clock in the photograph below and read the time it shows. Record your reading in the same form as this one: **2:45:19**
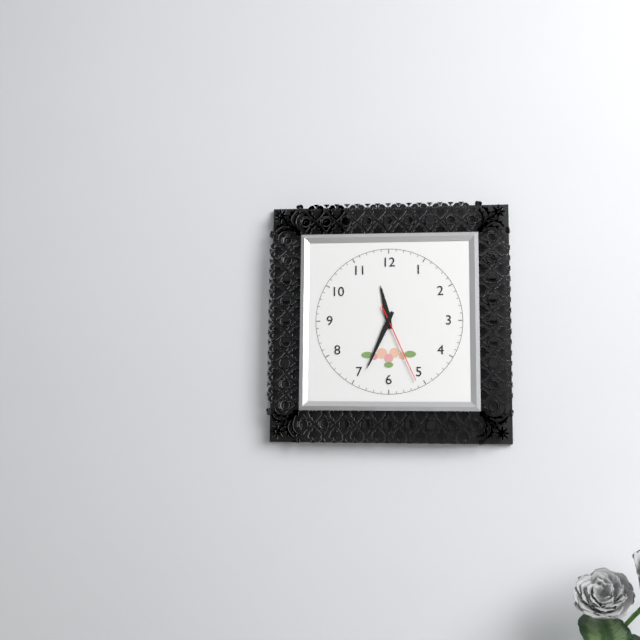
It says **11:34:26**
